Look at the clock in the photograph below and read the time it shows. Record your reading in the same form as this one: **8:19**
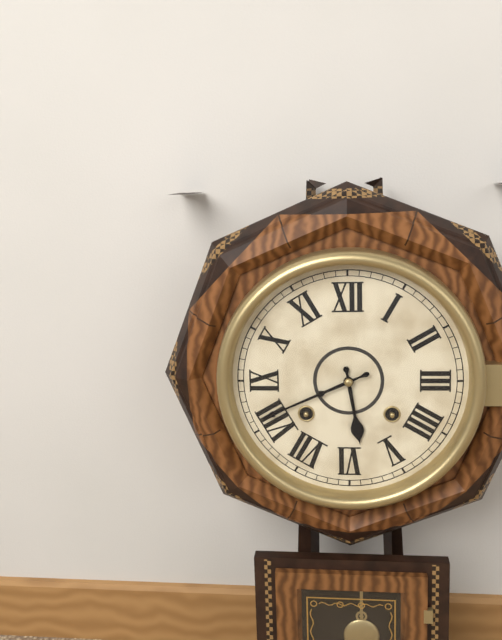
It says **5:41**
